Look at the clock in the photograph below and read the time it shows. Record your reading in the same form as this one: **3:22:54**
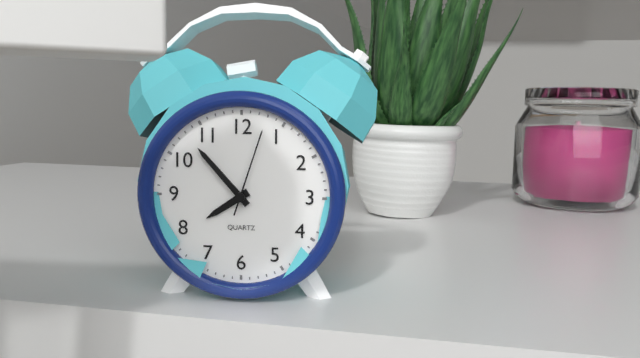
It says **7:53:03**
